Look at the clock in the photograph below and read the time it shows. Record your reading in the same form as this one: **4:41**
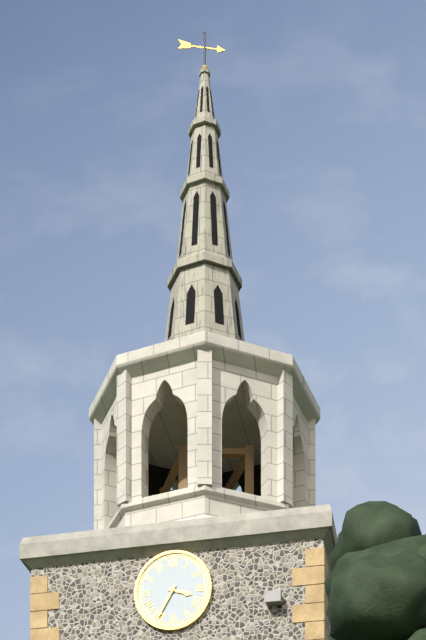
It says **3:35**
